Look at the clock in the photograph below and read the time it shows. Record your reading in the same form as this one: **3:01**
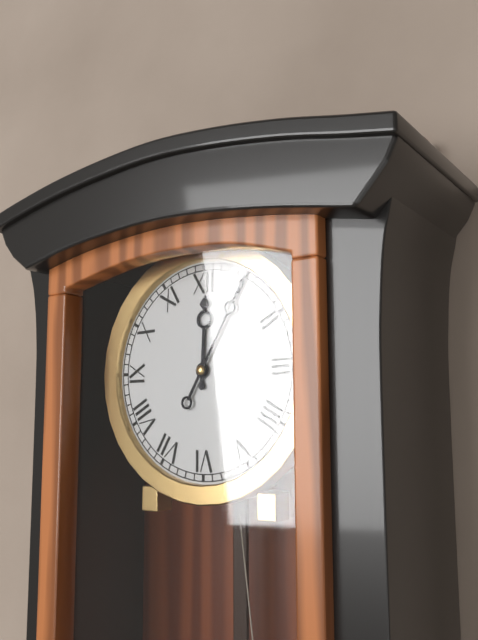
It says **12:05**
